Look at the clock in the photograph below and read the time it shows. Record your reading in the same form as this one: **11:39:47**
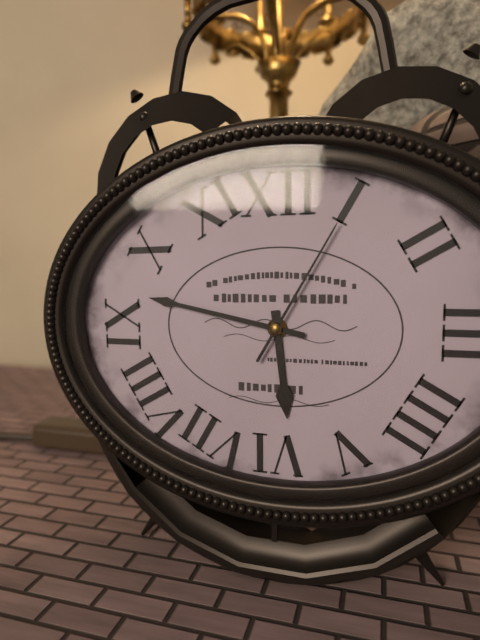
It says **5:47:05**
